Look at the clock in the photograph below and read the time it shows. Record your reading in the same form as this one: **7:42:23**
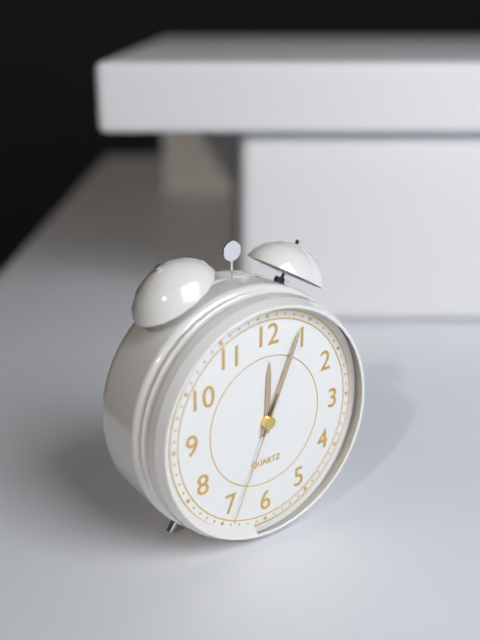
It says **12:04:34**
